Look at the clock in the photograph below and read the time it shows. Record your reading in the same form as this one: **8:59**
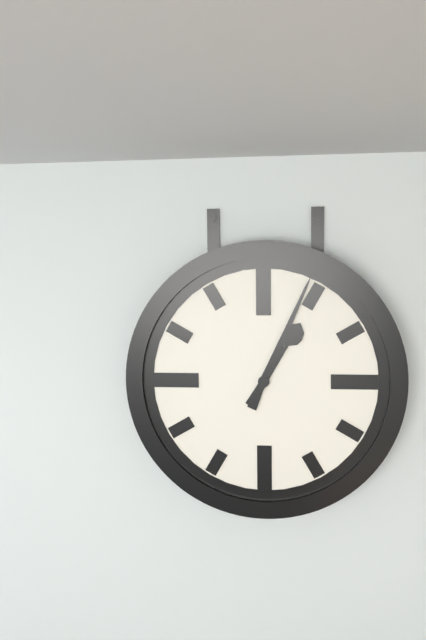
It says **1:04**
